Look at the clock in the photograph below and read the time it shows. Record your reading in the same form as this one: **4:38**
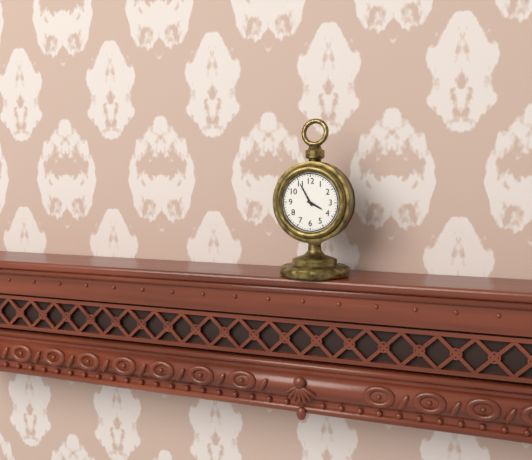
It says **3:55**
